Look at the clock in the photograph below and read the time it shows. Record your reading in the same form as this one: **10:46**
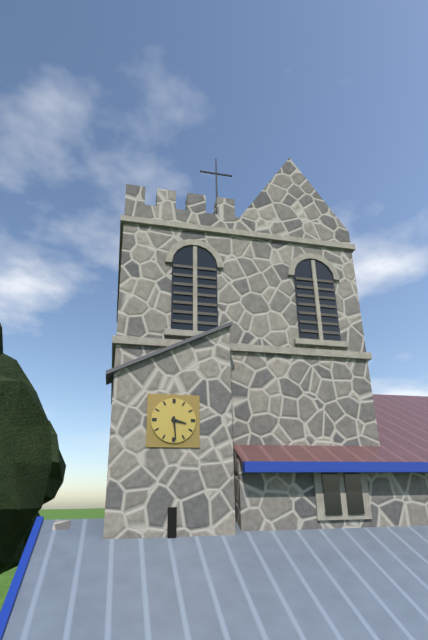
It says **3:29**
